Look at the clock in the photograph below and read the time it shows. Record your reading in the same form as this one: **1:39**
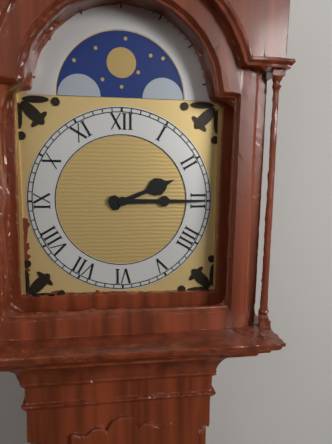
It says **2:15**
